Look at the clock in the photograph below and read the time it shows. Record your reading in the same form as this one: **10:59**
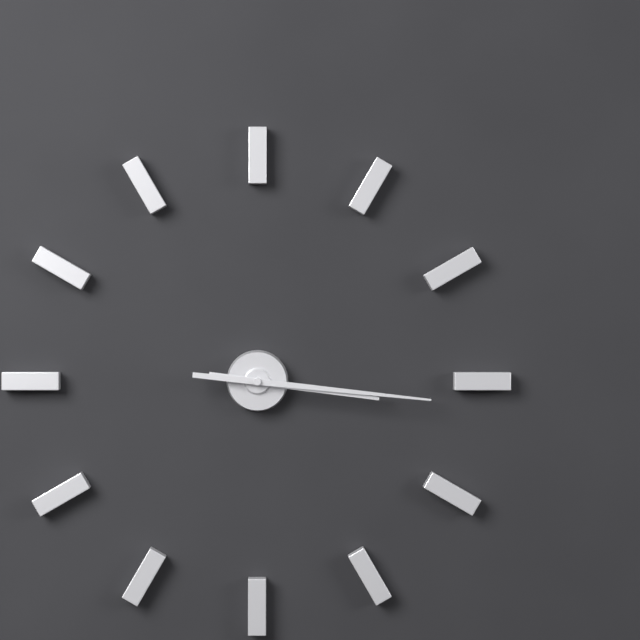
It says **3:16**
